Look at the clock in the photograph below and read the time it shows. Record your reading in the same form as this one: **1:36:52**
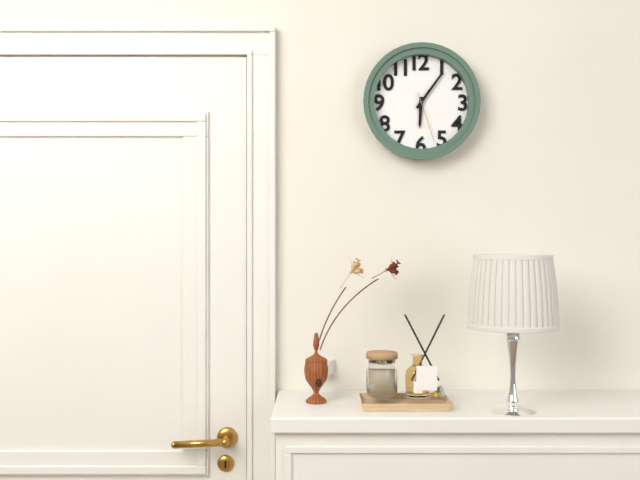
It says **6:06:27**
